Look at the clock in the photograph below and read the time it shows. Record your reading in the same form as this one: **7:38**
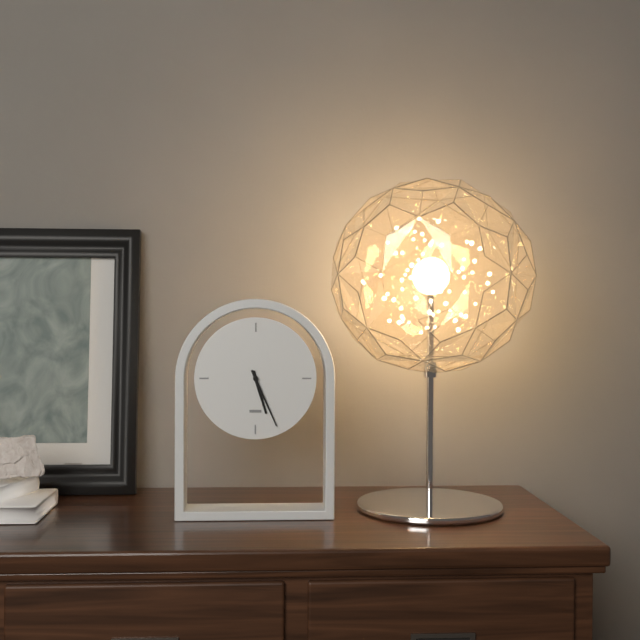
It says **5:26**
